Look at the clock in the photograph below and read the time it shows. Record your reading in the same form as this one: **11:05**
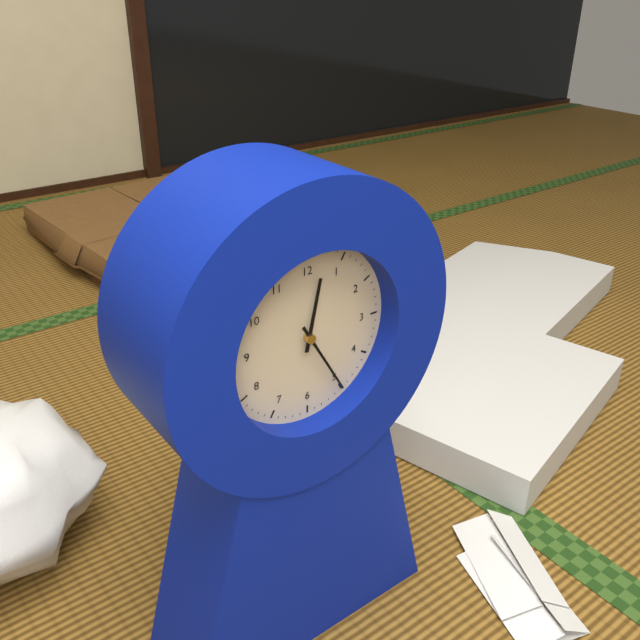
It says **12:25**
